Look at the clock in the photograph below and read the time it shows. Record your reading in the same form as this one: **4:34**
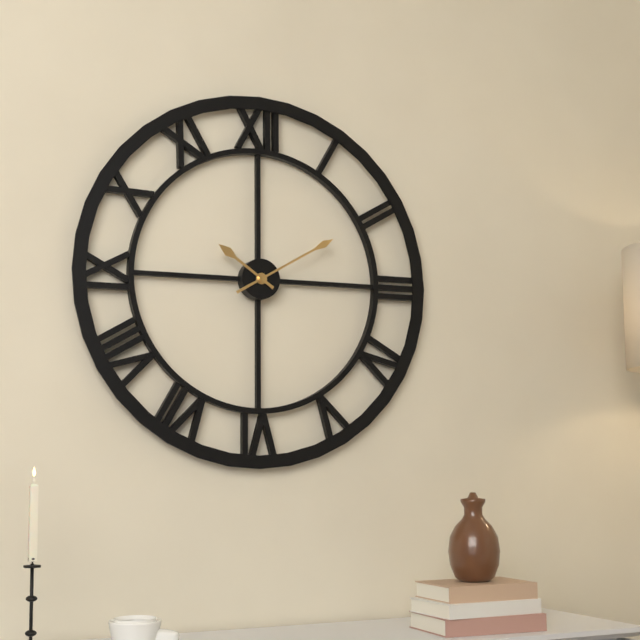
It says **10:10**
